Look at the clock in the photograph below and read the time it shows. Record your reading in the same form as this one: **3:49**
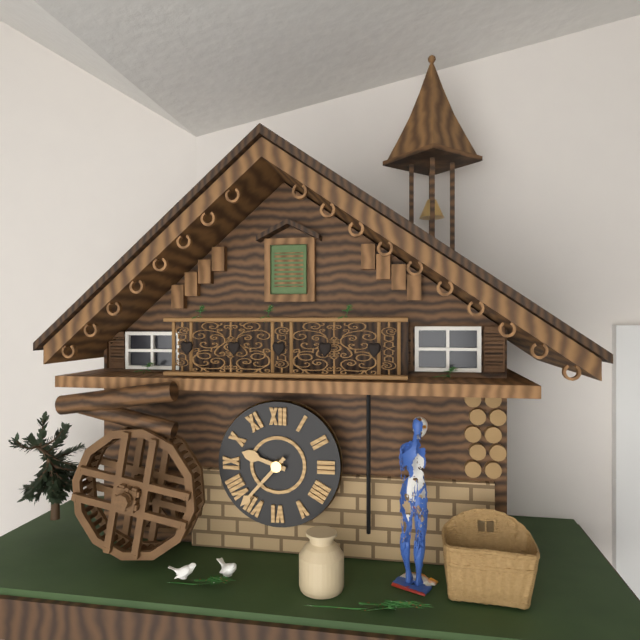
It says **9:37**
